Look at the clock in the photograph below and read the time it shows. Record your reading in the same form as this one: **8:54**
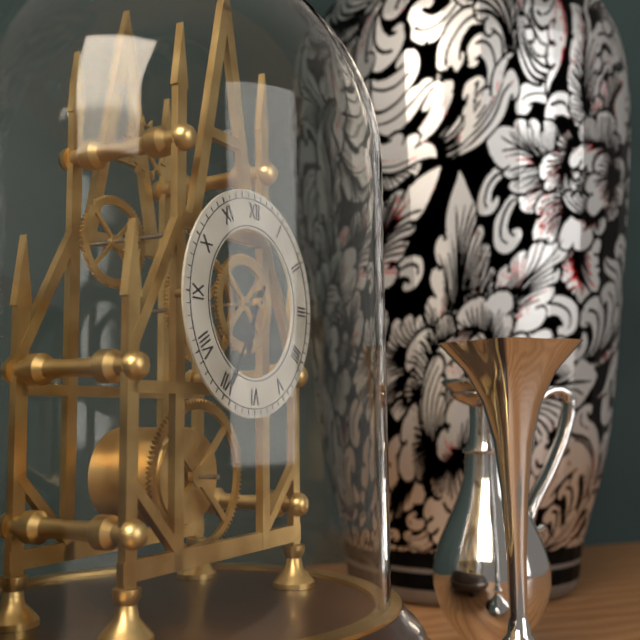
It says **6:35**
